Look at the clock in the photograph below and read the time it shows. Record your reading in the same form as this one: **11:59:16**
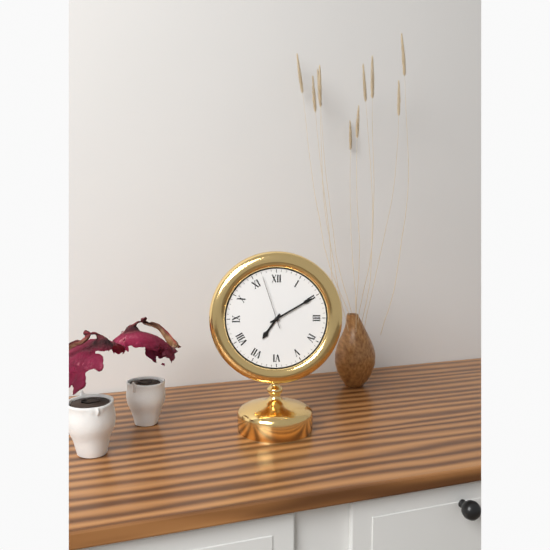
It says **7:10:57**
